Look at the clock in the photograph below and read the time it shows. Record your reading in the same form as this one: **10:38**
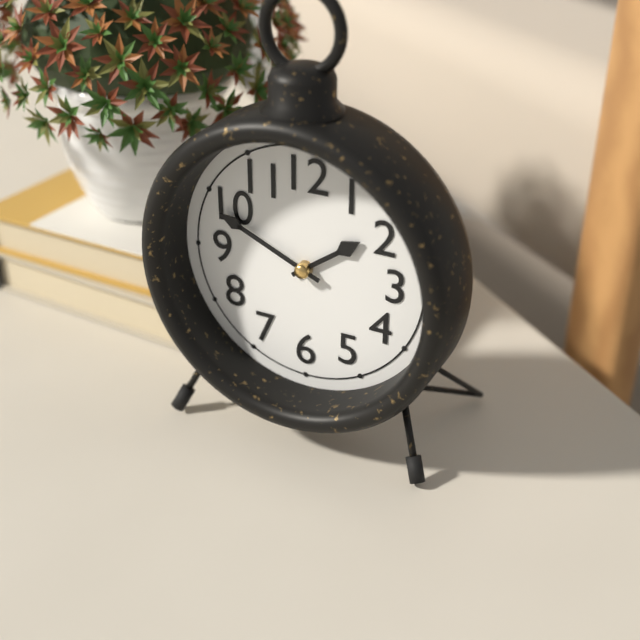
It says **1:49**
